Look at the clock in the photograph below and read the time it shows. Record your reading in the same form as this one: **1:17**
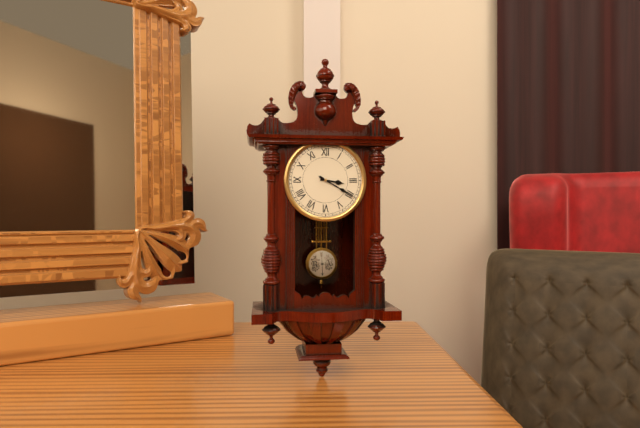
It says **3:20**
